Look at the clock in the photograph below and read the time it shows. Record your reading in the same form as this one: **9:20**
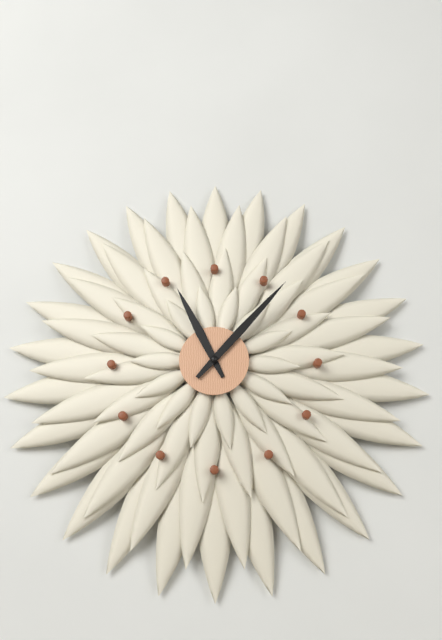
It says **11:07**
